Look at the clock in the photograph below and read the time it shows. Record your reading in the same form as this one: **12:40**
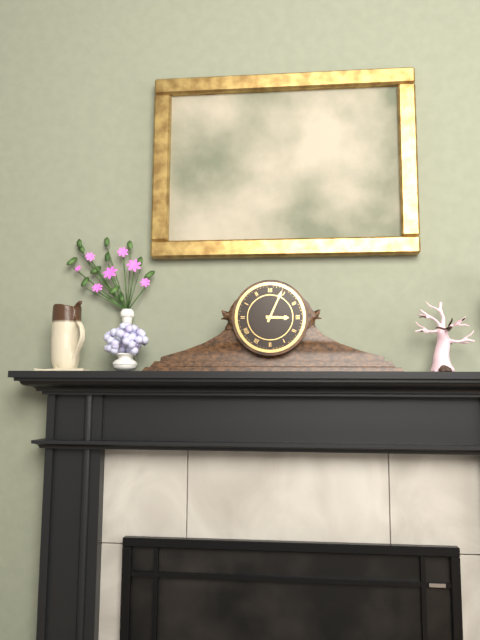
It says **3:04**
